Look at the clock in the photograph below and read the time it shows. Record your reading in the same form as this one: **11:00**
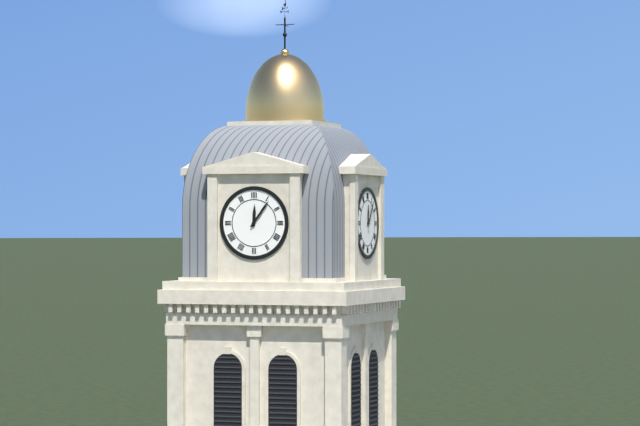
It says **12:06**
